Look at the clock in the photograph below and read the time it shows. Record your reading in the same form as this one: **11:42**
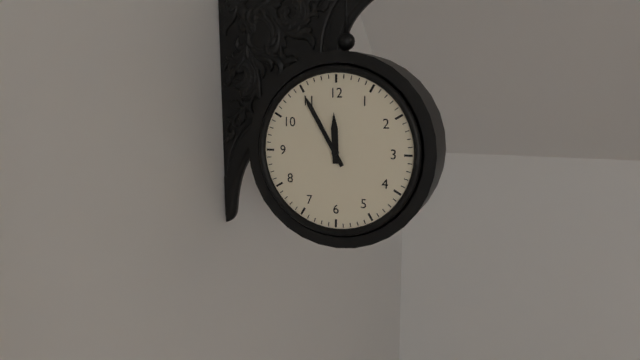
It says **11:55**
